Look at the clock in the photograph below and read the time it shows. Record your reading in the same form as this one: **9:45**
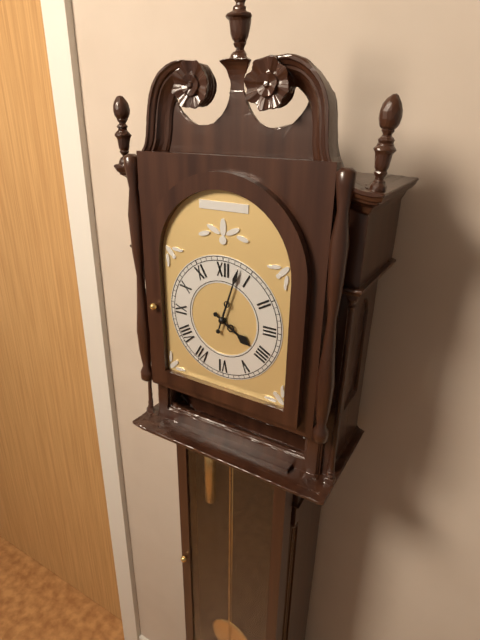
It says **4:03**
